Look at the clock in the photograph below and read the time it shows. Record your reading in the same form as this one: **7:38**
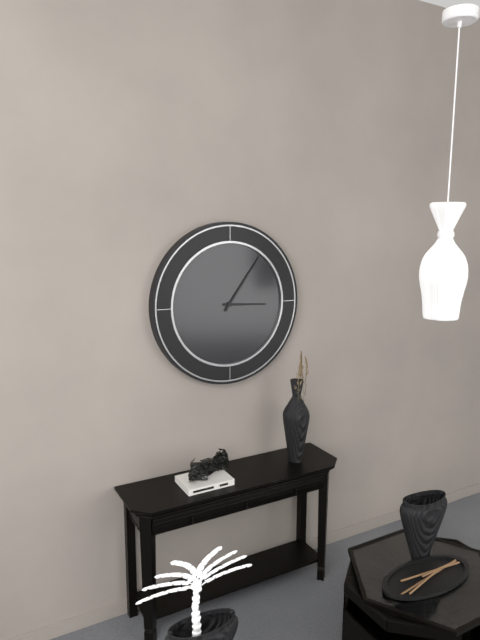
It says **3:06**
